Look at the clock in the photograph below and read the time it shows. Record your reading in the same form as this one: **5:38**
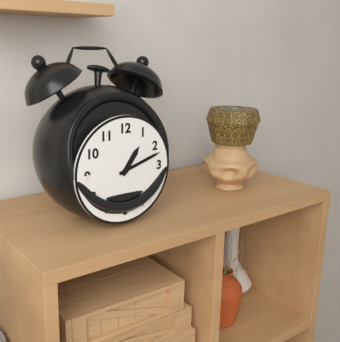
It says **1:12**
